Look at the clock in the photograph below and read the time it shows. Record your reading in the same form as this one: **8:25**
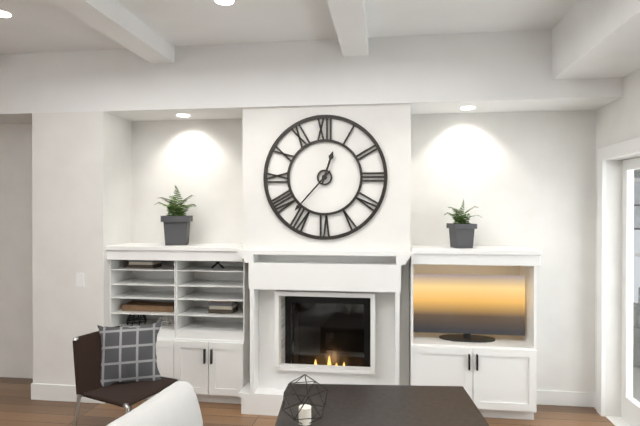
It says **12:37**
